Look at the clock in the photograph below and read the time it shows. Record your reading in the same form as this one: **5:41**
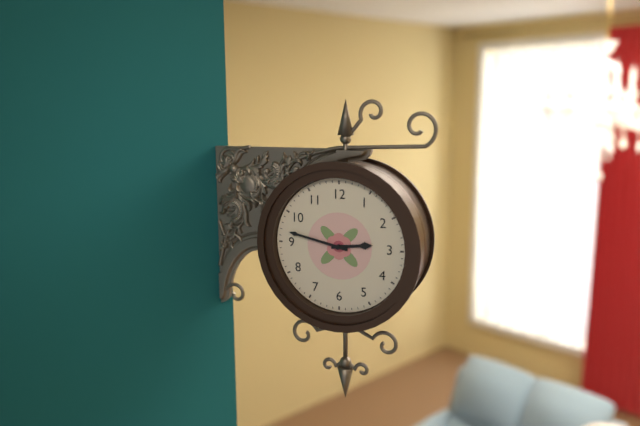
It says **2:47**
